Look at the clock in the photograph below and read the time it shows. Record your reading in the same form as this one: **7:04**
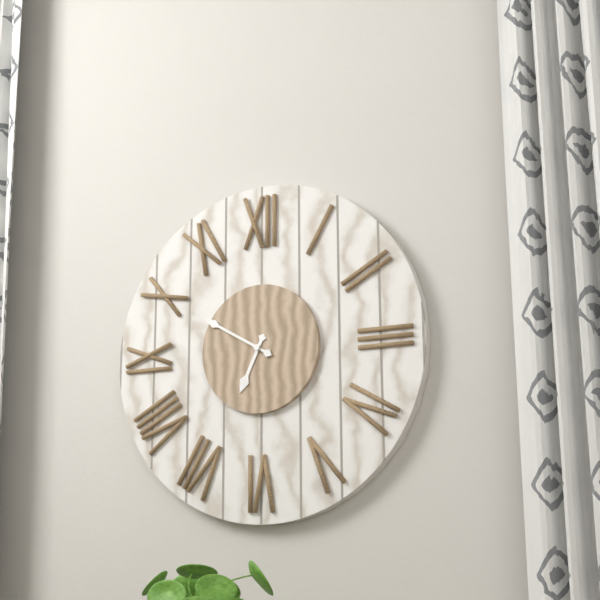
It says **6:50**
